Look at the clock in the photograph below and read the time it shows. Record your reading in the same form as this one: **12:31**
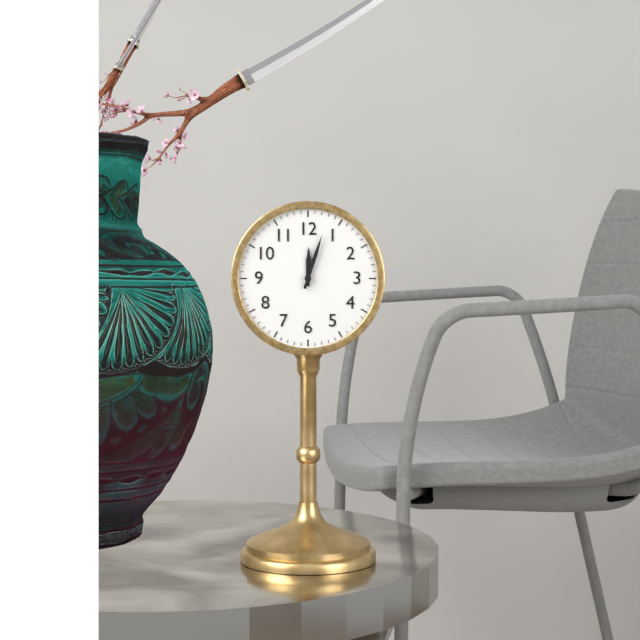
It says **12:03**
